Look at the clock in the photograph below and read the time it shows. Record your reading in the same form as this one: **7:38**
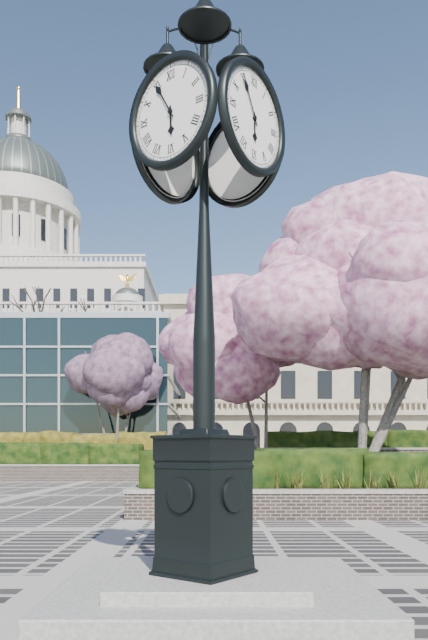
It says **5:55**
